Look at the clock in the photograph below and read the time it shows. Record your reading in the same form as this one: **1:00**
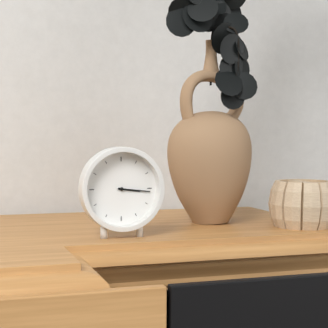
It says **3:16**
